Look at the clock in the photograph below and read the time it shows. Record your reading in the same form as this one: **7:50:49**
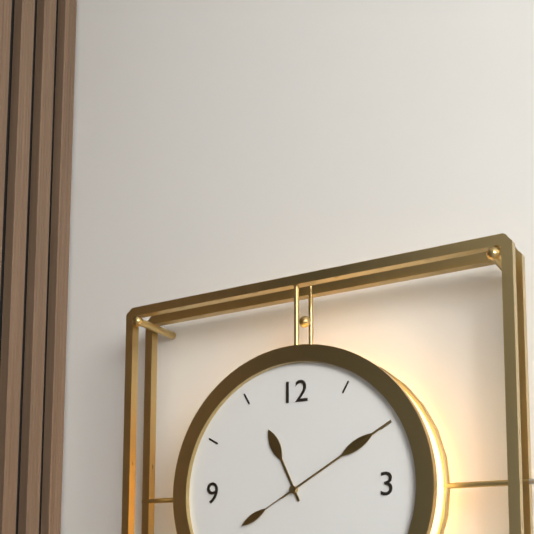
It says **11:10:10**
